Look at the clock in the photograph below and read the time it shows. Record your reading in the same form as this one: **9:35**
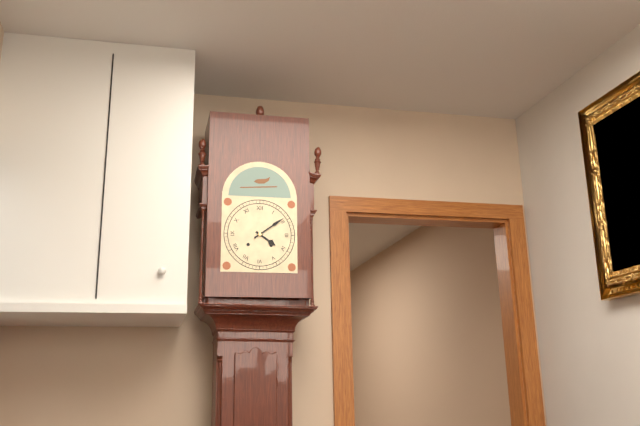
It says **4:09**
